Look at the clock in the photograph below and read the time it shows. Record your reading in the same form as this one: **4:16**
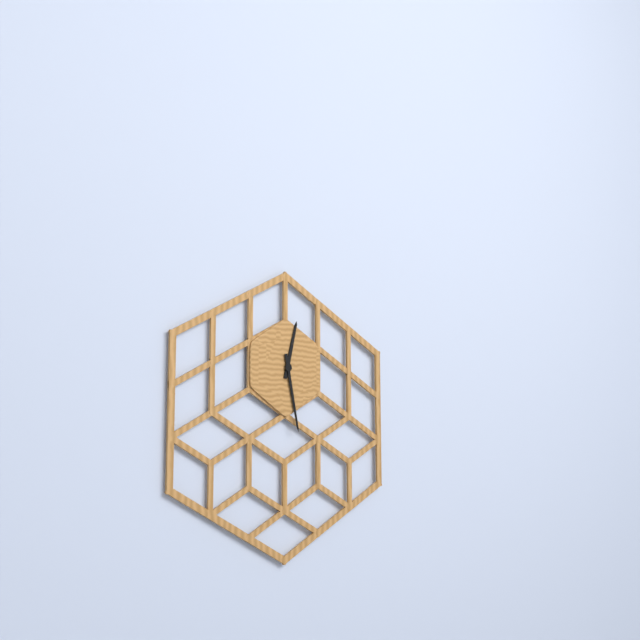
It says **12:28**
